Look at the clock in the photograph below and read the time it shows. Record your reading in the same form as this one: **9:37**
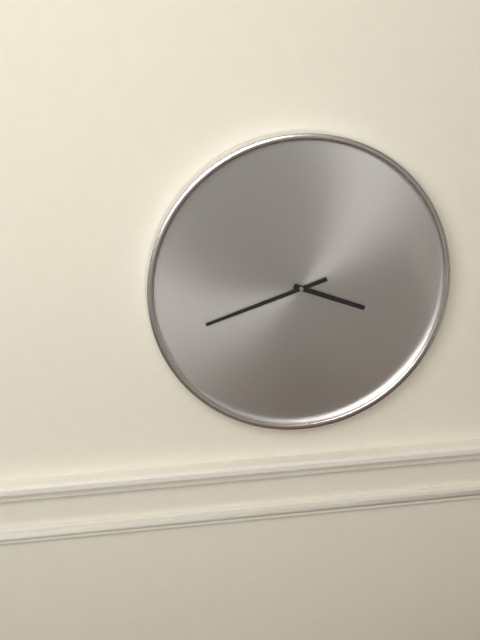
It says **3:42**
